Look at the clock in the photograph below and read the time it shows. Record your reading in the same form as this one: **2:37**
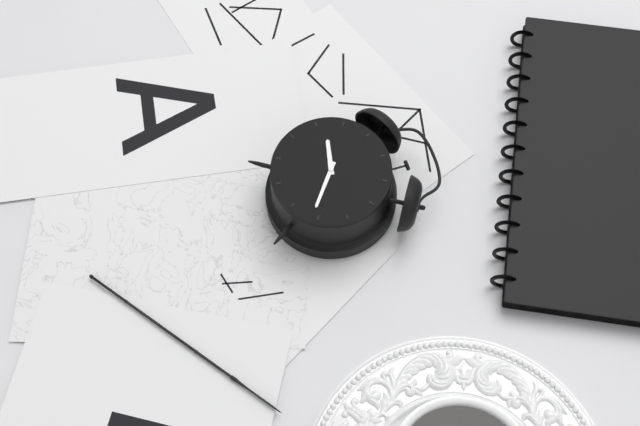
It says **9:21**
